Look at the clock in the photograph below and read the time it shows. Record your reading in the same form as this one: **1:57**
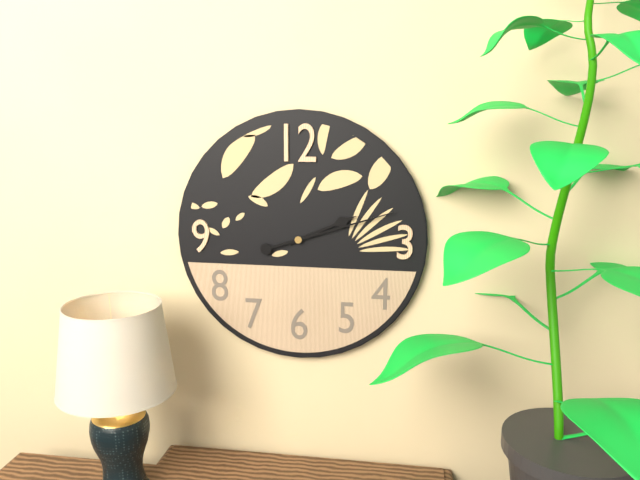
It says **2:12**
